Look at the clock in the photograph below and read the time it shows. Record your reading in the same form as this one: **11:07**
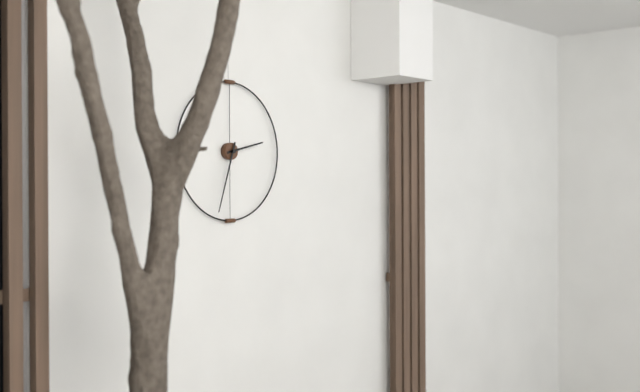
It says **2:33**
